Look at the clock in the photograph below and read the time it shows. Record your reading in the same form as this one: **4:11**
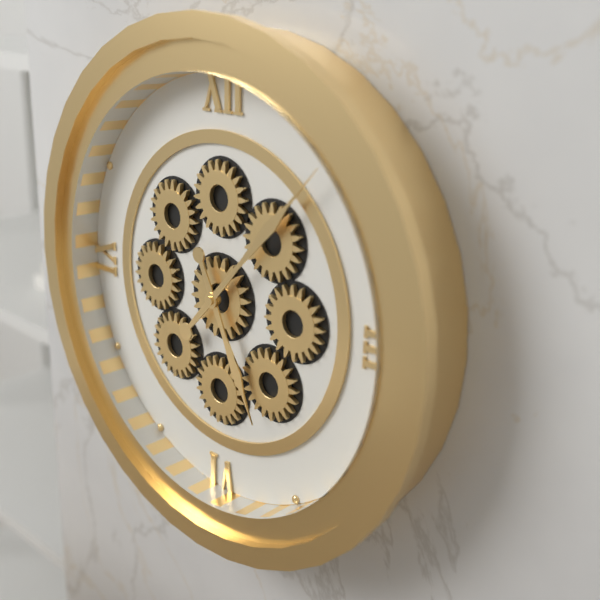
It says **5:07**
